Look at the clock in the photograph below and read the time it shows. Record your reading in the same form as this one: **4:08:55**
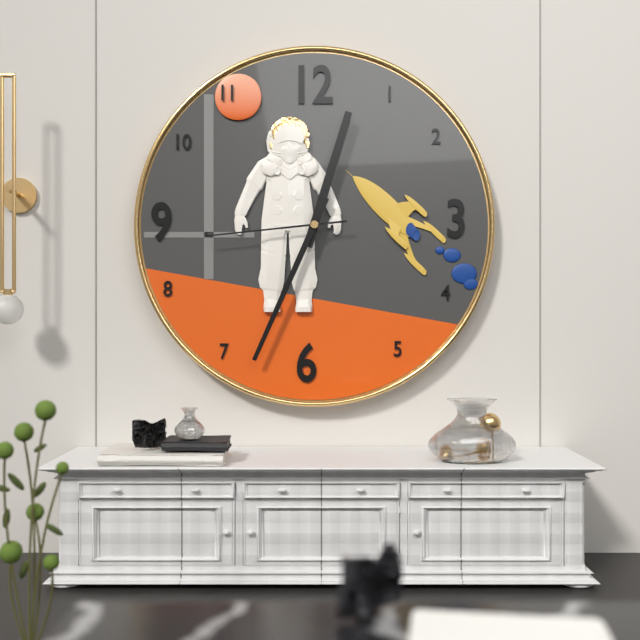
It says **12:34:44**
